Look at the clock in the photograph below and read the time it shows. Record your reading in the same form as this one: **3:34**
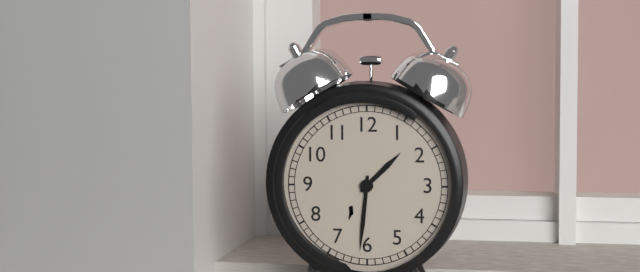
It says **1:31**
